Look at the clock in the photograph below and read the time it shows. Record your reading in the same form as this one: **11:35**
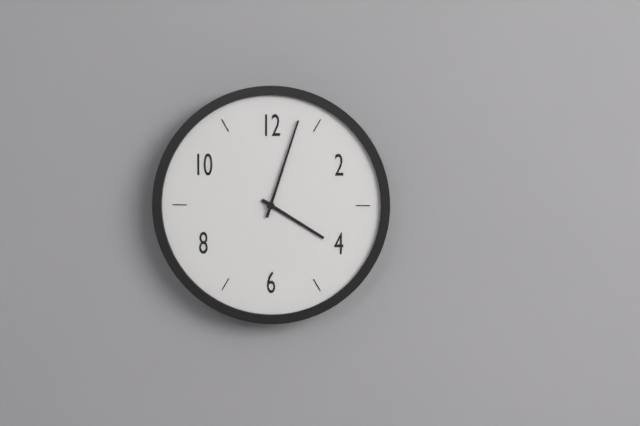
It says **4:03**
